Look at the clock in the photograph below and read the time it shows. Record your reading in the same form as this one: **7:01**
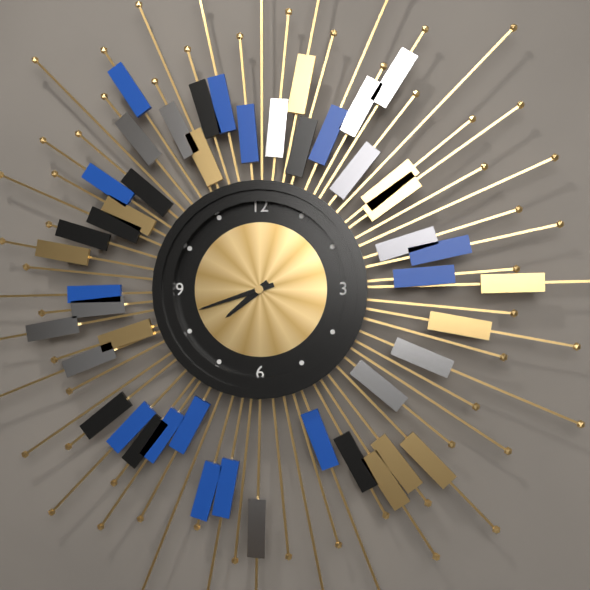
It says **7:42**
